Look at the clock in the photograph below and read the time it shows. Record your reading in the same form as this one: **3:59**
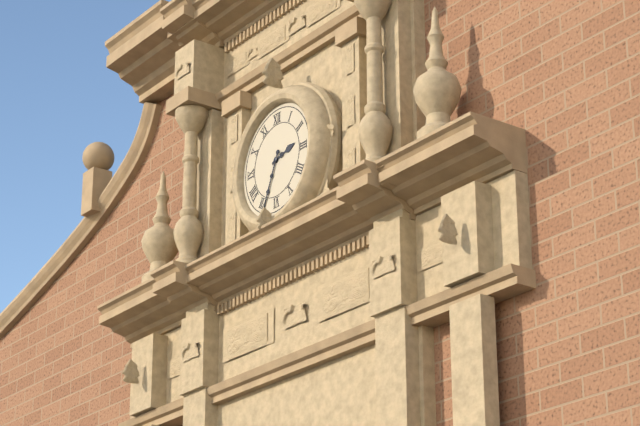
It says **2:34**
